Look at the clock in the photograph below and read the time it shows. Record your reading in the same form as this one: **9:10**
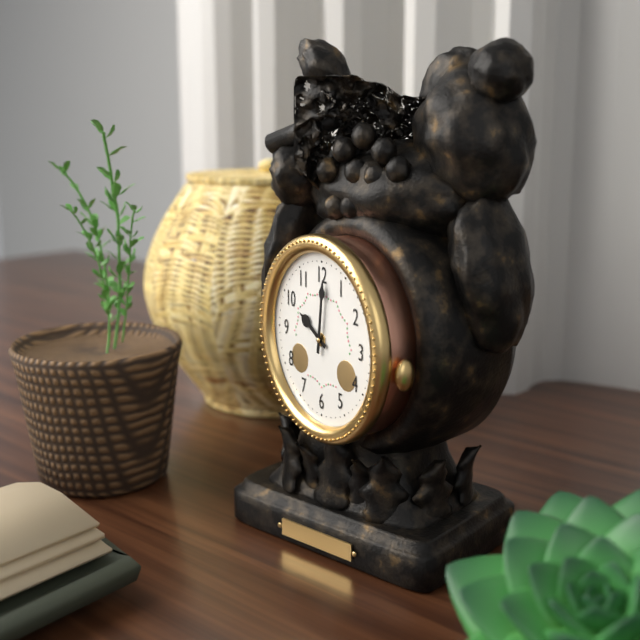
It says **10:01**
